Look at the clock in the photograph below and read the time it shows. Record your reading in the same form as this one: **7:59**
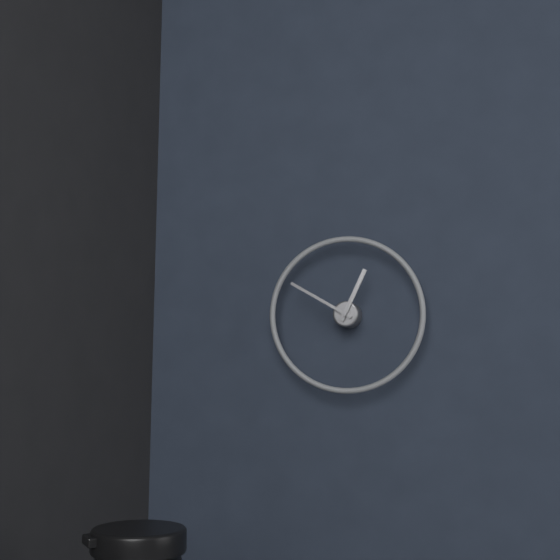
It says **12:50**
